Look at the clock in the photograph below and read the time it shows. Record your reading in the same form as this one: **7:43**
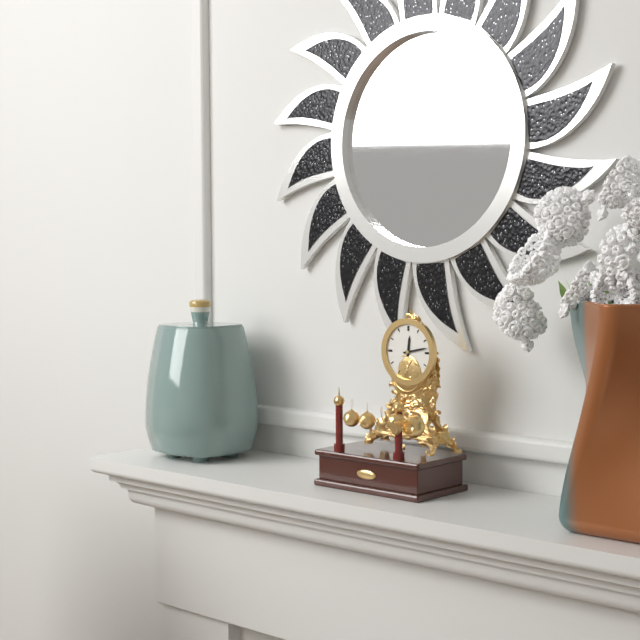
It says **12:13**
